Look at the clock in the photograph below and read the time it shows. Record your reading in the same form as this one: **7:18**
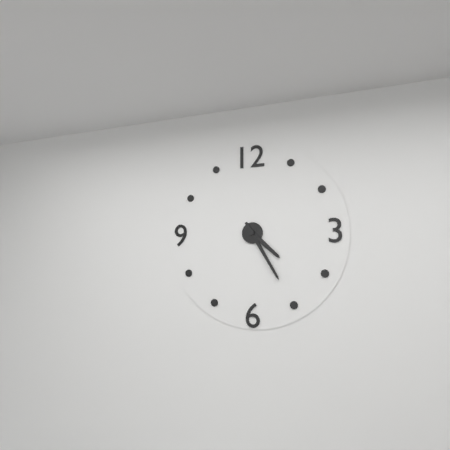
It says **4:25**
